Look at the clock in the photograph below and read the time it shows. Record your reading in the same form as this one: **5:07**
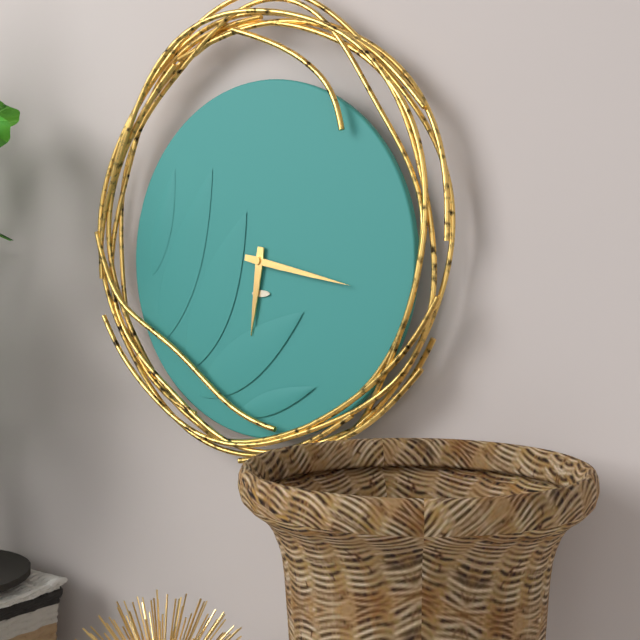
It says **6:17**
